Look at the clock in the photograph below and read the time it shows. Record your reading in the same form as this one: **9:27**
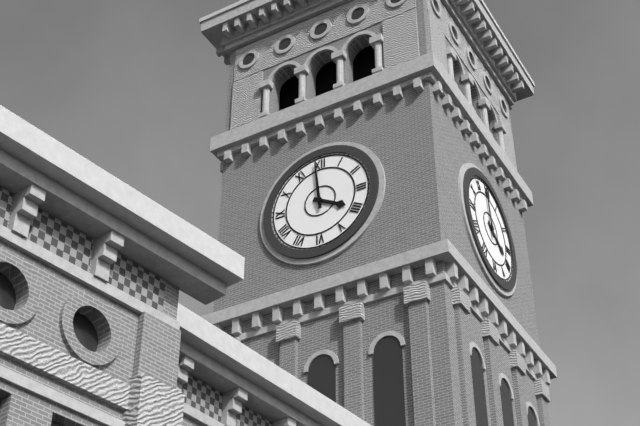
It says **3:59**
